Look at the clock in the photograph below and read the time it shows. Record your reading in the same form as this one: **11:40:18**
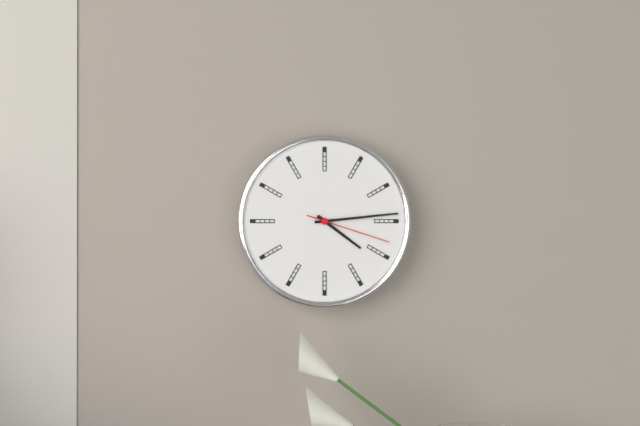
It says **4:14:18**
